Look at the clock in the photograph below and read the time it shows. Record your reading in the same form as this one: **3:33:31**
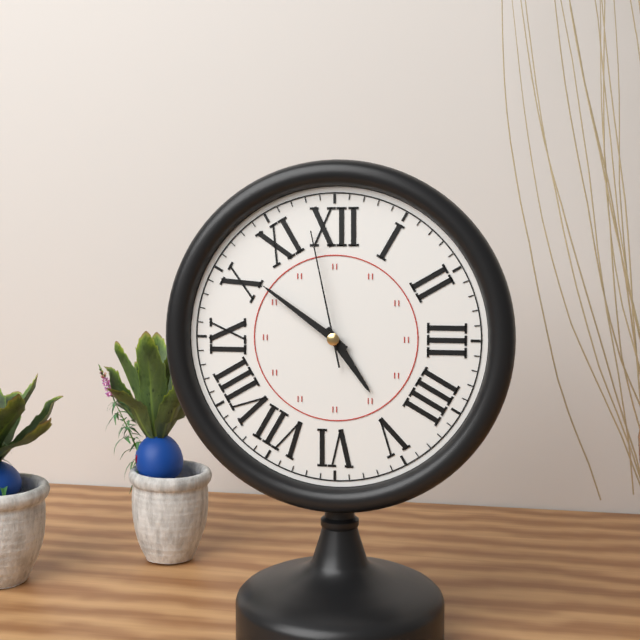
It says **4:51:58**
